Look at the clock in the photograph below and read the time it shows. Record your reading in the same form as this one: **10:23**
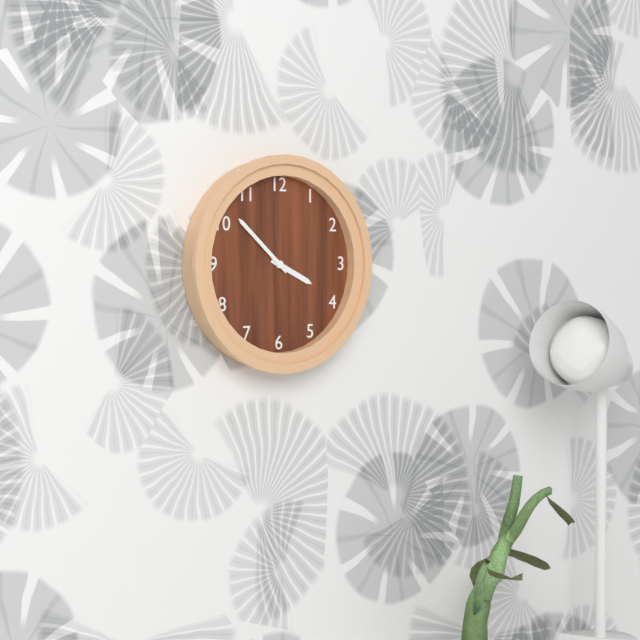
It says **3:52**
